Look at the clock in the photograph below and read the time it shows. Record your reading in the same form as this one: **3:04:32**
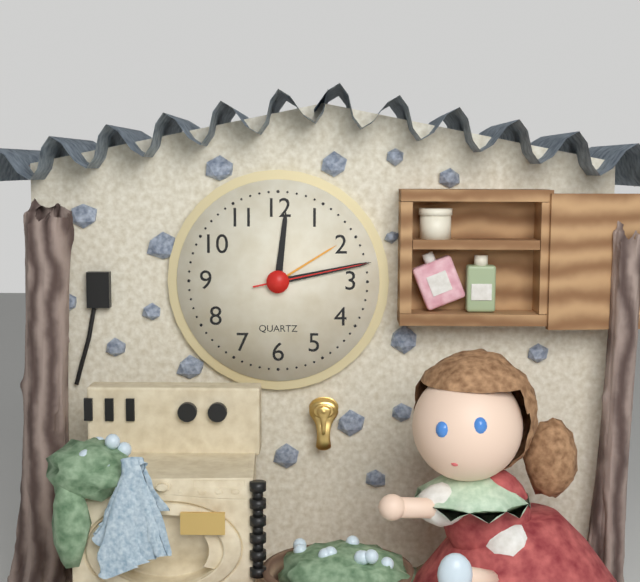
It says **12:13:13**
